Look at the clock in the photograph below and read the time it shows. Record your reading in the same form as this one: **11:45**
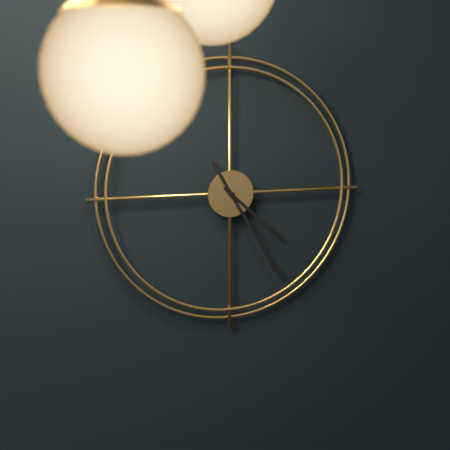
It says **4:25**
